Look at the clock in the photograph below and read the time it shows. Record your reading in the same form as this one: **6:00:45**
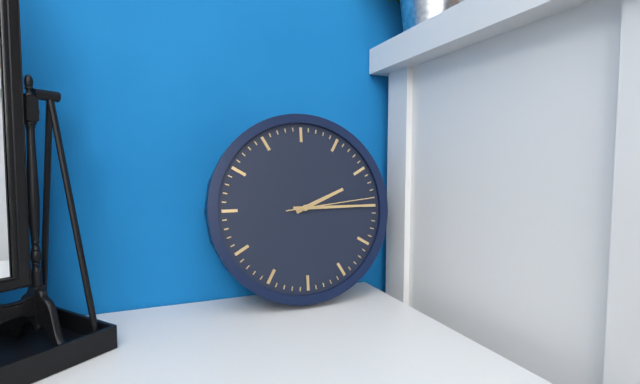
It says **2:15:14**
